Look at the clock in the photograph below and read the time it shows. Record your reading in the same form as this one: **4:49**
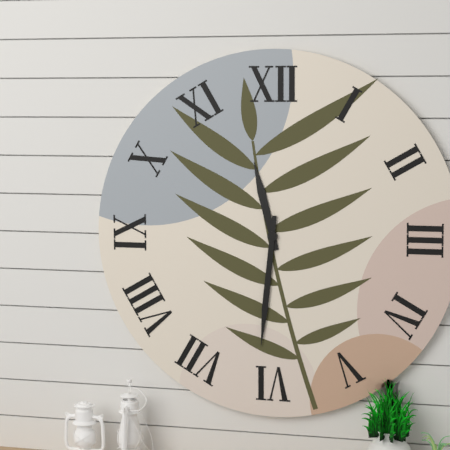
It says **11:31**
